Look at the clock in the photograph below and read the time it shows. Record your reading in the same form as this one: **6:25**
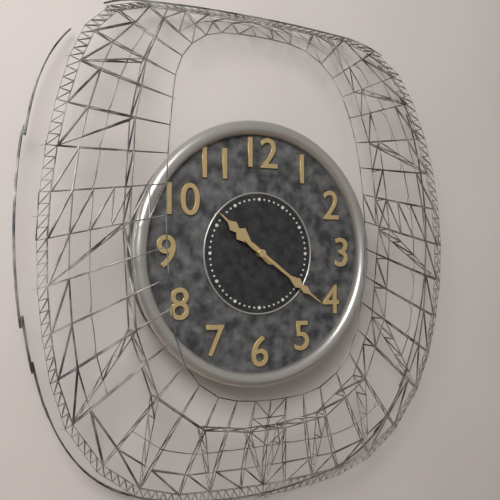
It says **10:21**
